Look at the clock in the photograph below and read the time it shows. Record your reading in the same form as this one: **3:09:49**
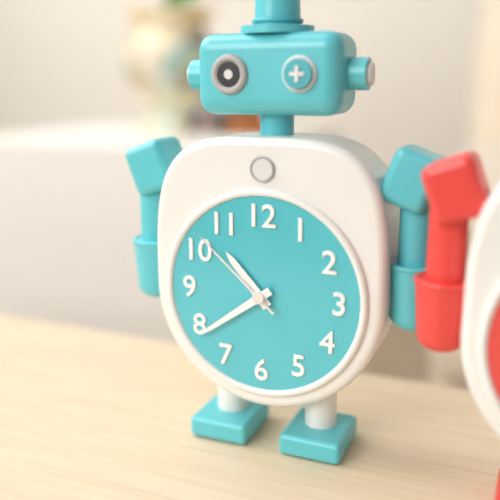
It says **10:39:52**
